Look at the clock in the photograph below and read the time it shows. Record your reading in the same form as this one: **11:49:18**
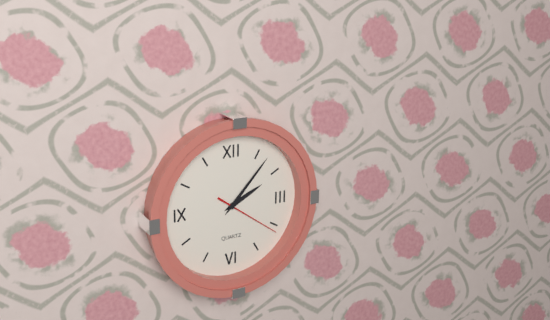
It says **2:07:21**
